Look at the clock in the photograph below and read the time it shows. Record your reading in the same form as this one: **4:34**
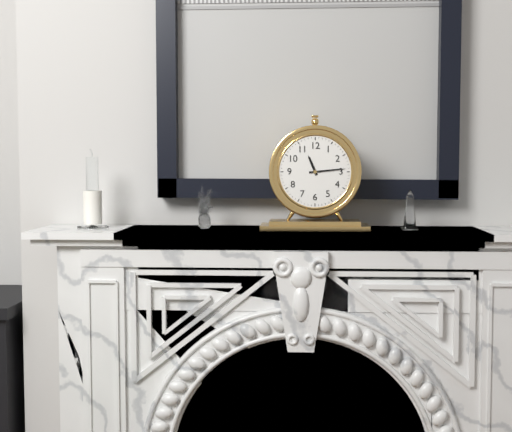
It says **11:14**
